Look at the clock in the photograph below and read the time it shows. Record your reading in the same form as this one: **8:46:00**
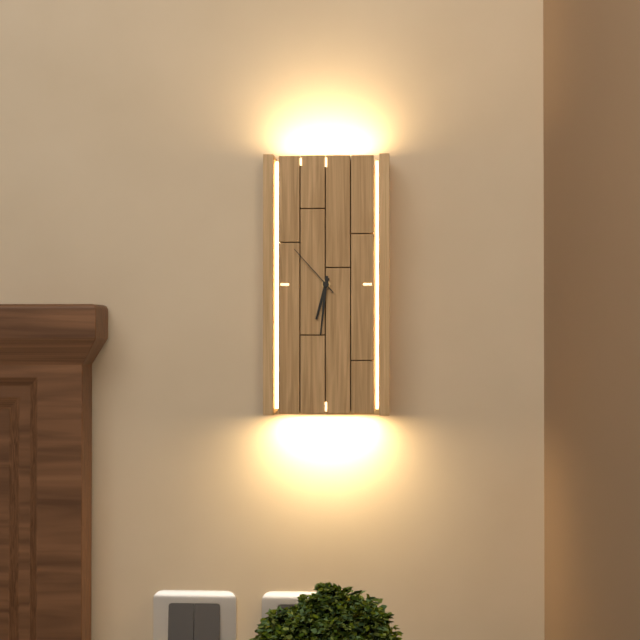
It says **6:31:53**
